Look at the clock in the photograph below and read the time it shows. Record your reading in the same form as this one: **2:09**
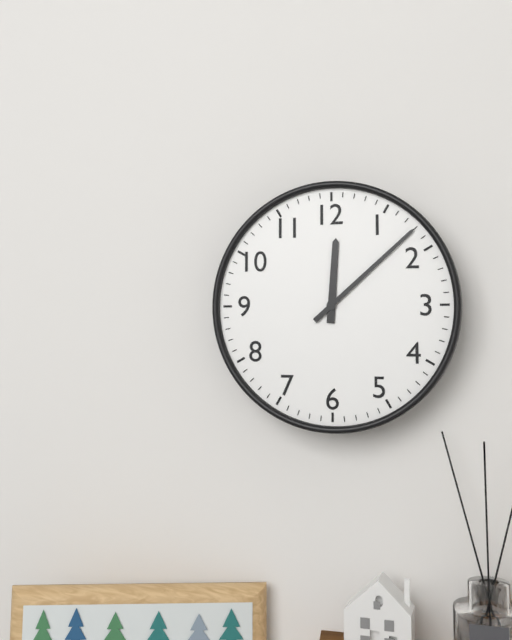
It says **12:08**
